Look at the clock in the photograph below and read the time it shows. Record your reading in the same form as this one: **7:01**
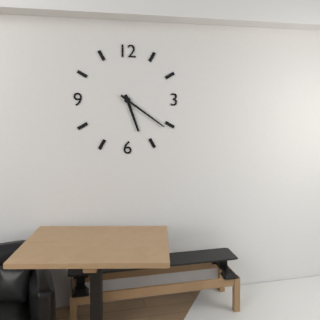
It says **5:21**
